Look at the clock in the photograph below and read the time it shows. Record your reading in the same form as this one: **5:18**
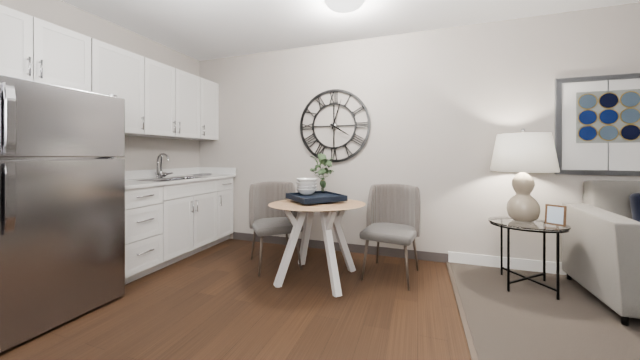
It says **4:03**
